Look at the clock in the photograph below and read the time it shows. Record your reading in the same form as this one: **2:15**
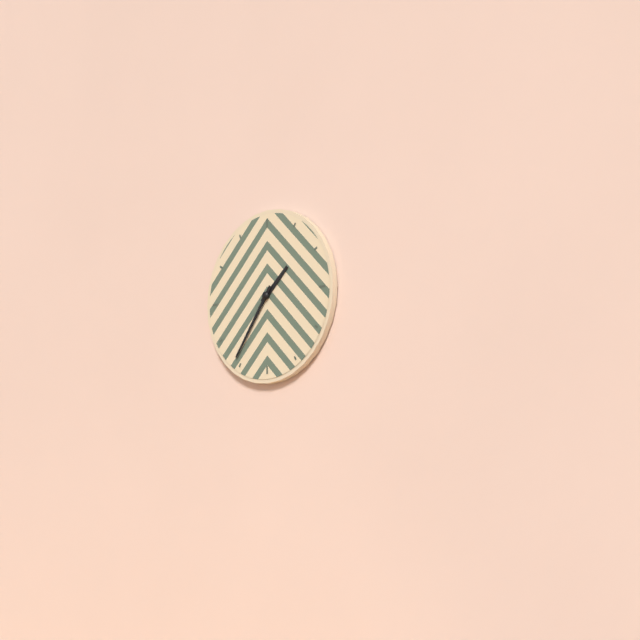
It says **1:36**
